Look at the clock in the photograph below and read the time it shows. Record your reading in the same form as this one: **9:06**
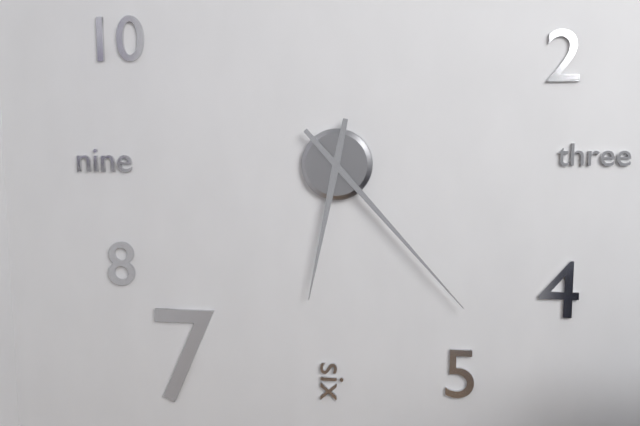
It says **6:23**
